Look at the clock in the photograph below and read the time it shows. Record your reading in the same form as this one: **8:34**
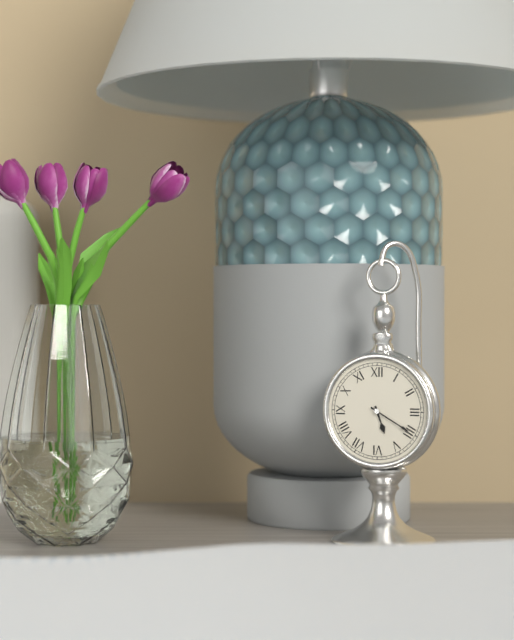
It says **5:20**
